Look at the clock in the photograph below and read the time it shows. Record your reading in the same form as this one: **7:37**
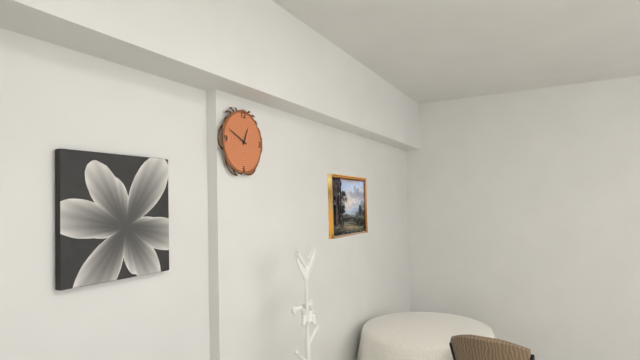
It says **12:49**
